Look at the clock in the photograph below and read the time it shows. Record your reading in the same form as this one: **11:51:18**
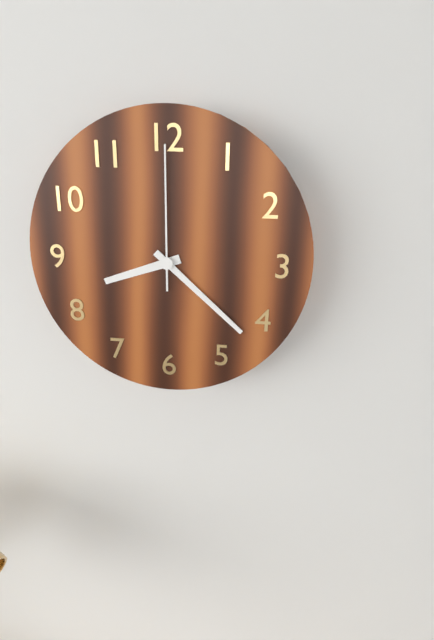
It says **8:22:00**
